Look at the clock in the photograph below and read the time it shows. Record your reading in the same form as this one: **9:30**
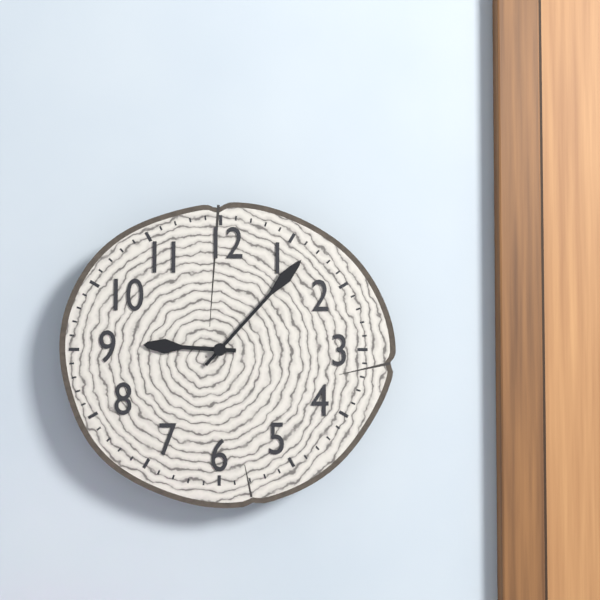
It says **9:07**
